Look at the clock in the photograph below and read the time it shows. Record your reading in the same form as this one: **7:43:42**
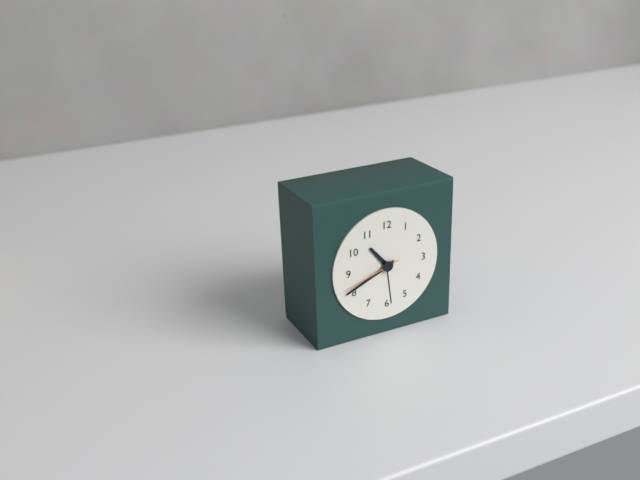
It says **10:41:42**
